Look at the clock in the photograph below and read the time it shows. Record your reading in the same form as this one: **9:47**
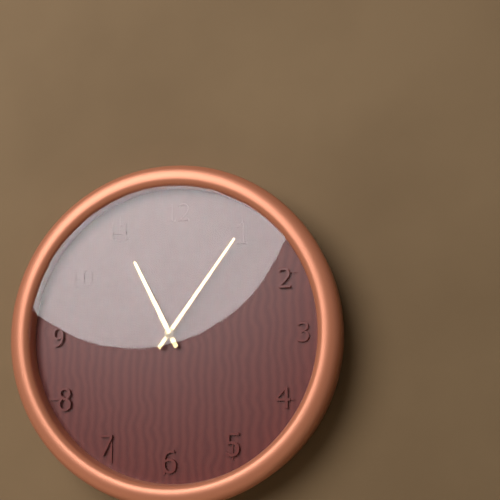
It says **11:06**
